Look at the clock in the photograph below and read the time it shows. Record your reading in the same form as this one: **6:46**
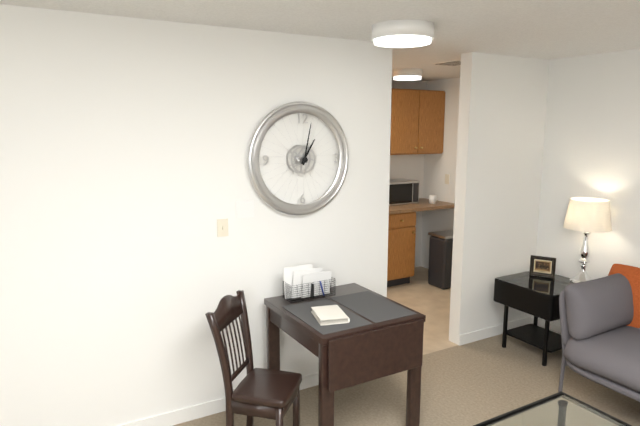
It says **1:02**
